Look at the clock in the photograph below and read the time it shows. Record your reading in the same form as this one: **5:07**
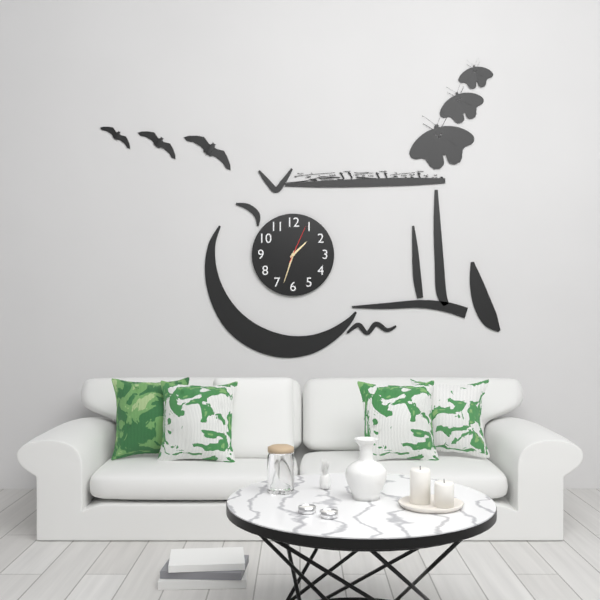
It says **1:33**
